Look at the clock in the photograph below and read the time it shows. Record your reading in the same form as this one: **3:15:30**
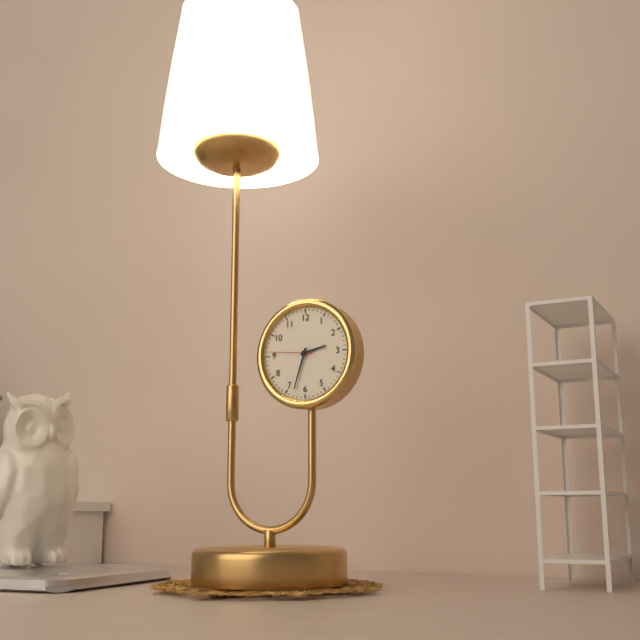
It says **2:33:46**
